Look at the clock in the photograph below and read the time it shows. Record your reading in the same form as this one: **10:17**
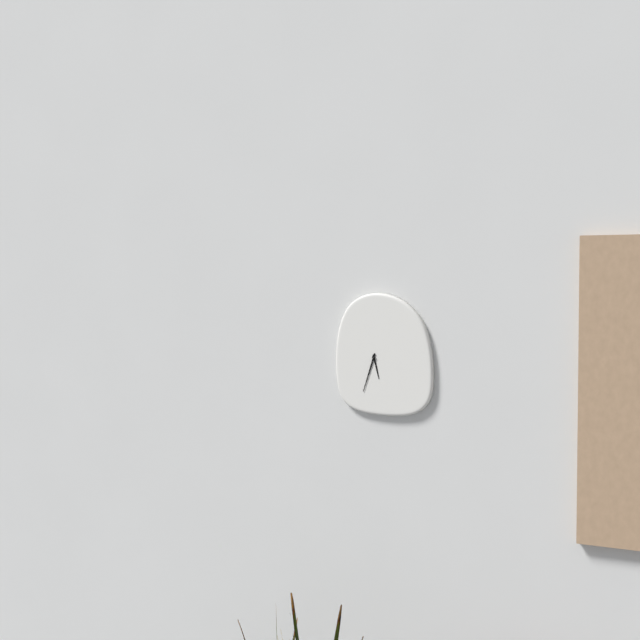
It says **5:33**
